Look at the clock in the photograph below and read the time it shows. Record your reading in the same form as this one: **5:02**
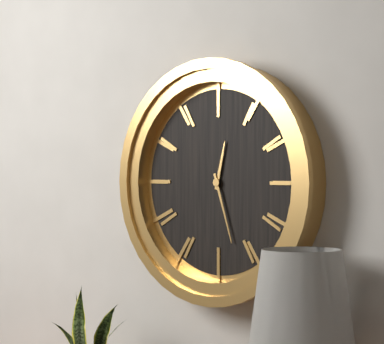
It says **12:27**
